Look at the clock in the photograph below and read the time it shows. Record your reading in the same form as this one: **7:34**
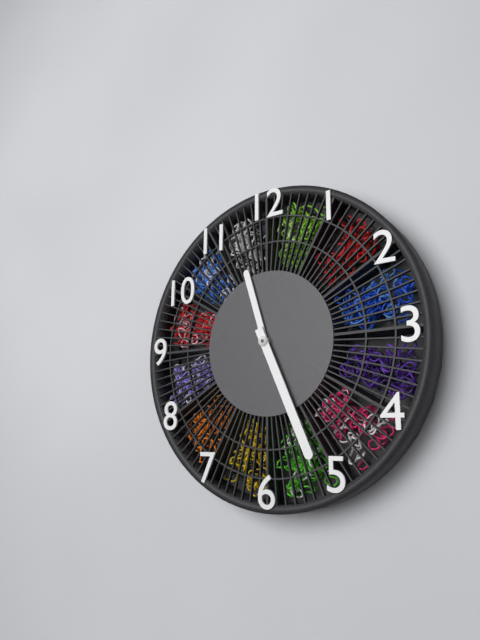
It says **11:26**
